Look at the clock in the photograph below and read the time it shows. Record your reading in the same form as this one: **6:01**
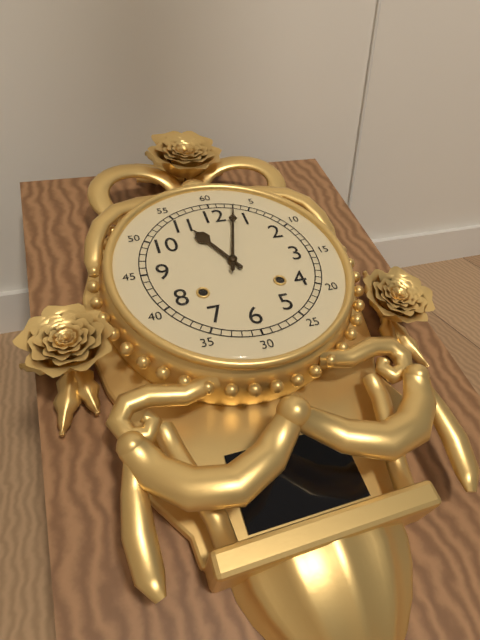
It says **11:03**
